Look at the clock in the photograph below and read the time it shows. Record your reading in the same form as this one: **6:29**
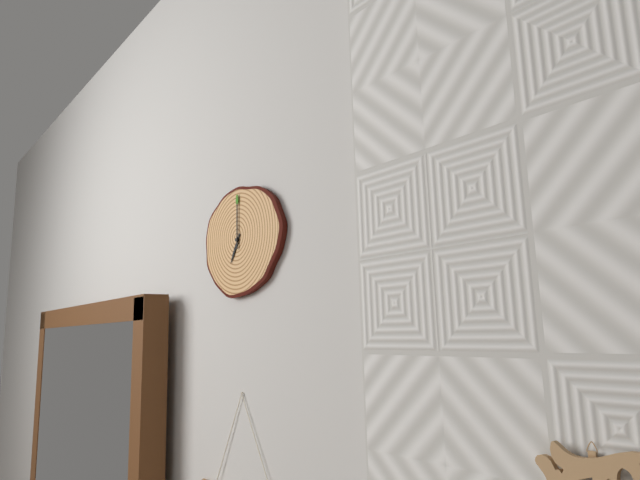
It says **7:00**
